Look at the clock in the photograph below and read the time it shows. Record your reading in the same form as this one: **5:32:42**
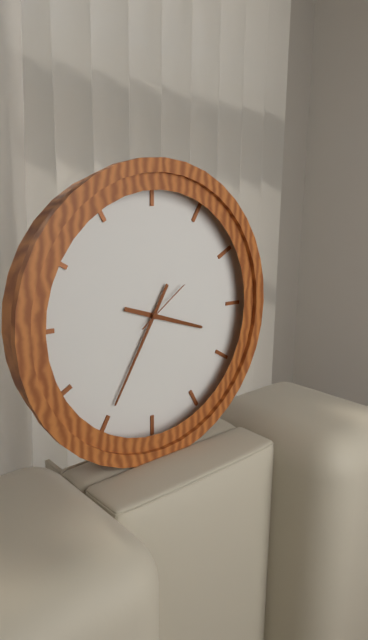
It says **3:35:09**
